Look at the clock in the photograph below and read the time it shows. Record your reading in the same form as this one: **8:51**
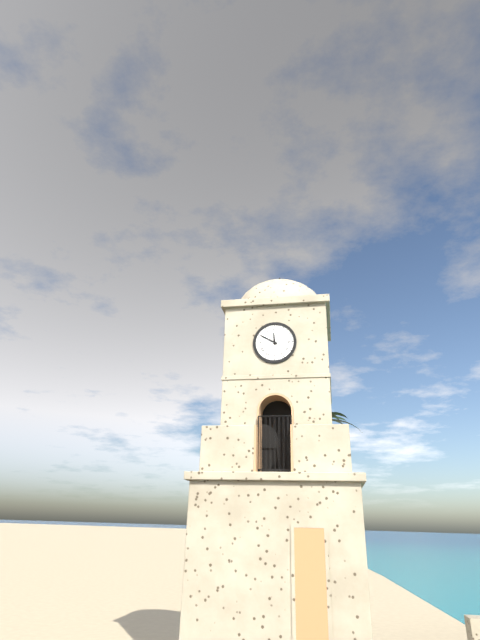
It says **11:50**
